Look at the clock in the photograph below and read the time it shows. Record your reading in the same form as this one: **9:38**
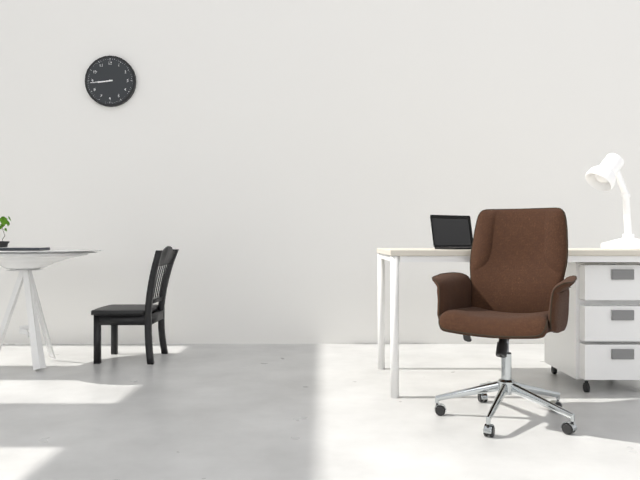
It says **8:44**
